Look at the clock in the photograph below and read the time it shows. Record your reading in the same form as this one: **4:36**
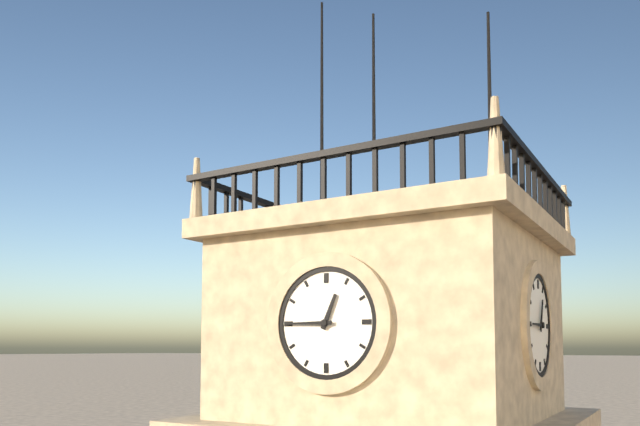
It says **12:45**
